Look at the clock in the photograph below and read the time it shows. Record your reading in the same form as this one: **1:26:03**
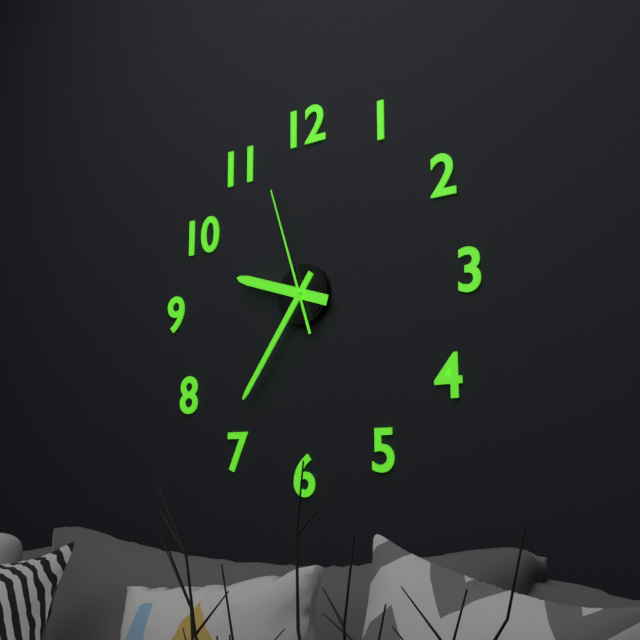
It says **9:36:57**
